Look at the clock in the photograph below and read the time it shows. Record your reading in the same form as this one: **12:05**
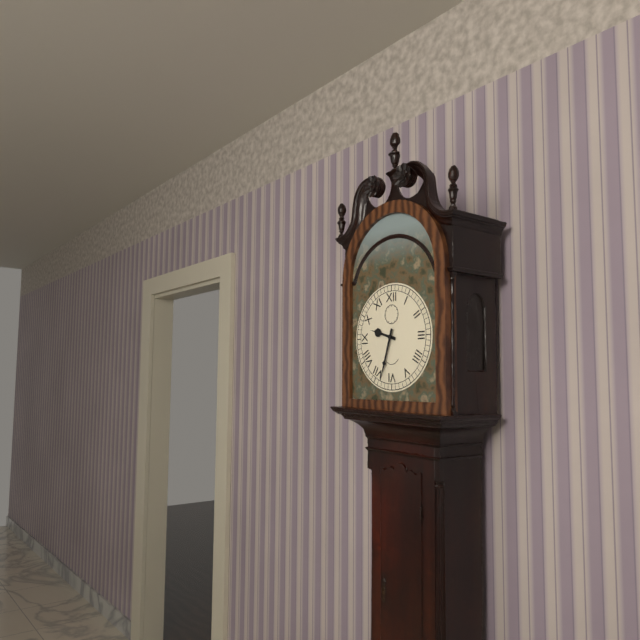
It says **9:33**
